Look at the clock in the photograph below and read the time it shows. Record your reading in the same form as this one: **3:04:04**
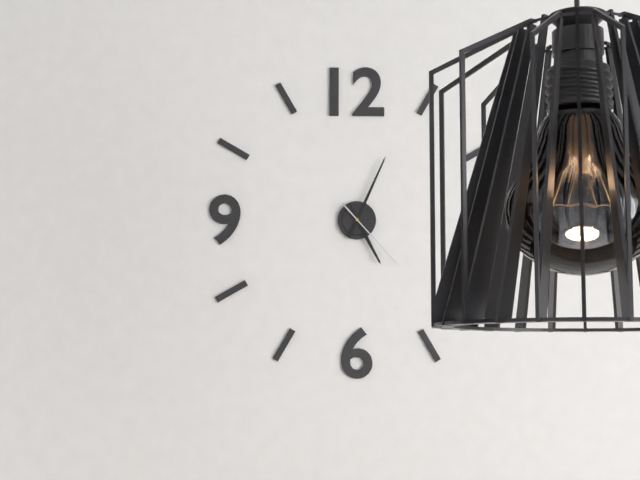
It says **5:04:23**
